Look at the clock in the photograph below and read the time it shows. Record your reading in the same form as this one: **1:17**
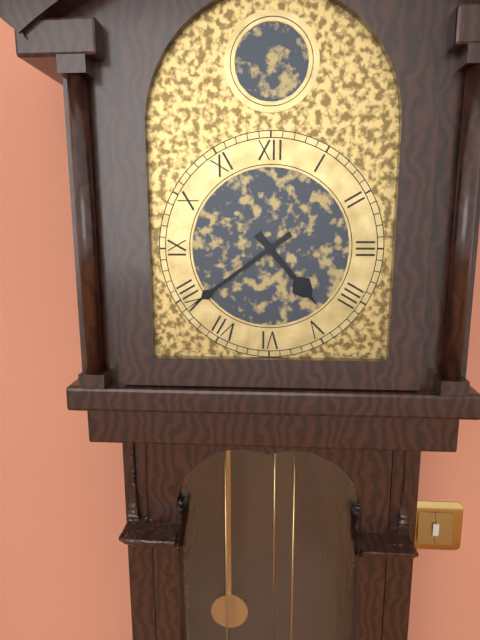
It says **4:39**
